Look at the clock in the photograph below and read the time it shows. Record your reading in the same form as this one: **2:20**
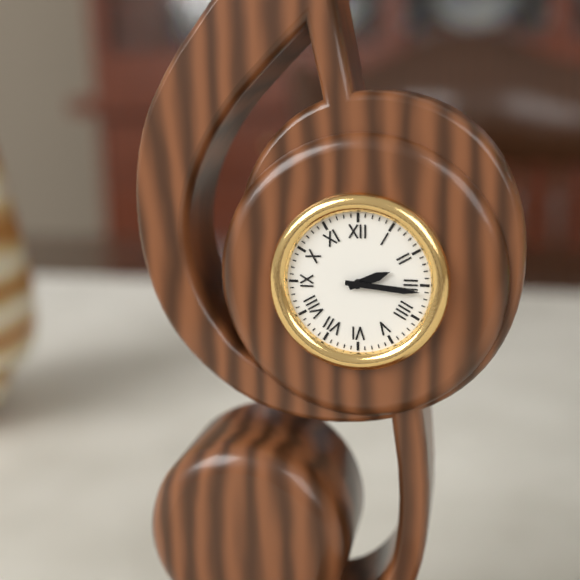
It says **2:16**
